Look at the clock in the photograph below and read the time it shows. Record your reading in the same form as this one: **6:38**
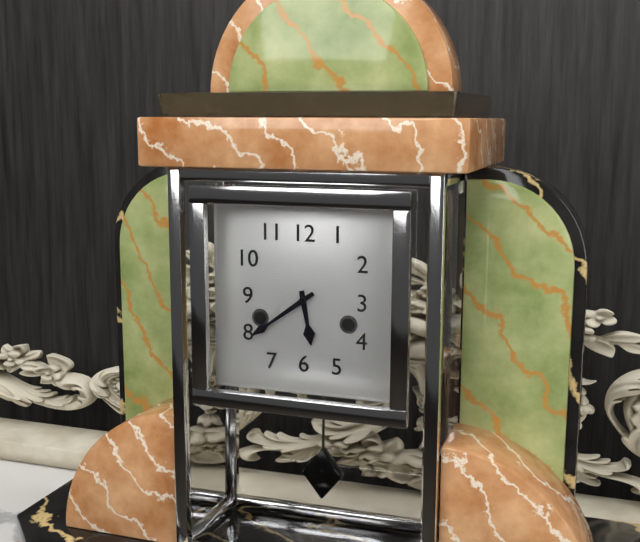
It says **5:39**
